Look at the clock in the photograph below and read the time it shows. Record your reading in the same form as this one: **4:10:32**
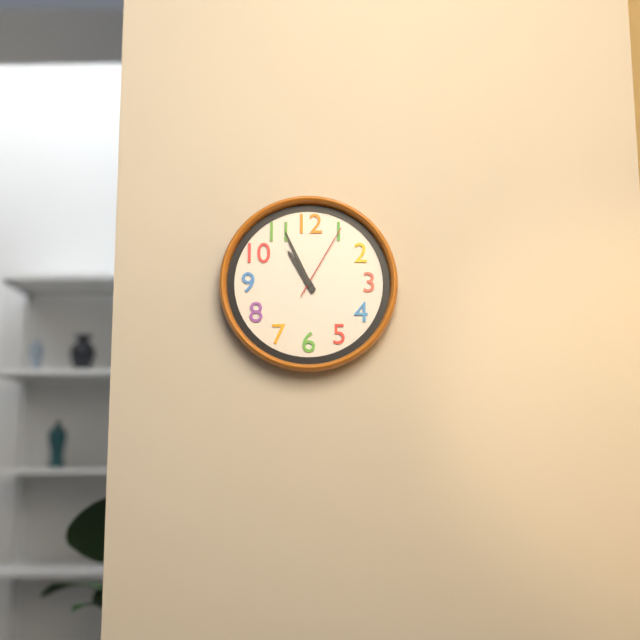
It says **10:56:05**
